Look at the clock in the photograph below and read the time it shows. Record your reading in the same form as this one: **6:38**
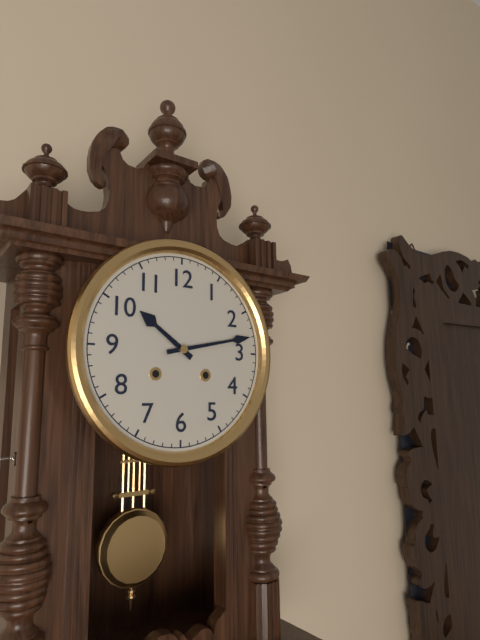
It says **10:13**
